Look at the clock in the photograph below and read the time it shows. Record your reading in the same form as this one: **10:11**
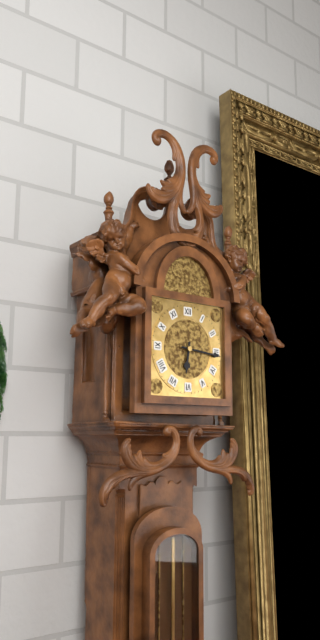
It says **6:16**
